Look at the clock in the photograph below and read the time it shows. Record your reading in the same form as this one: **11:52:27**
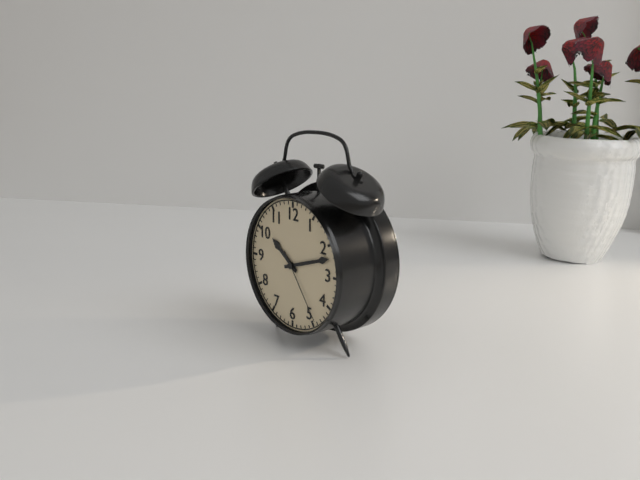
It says **10:12:24**
